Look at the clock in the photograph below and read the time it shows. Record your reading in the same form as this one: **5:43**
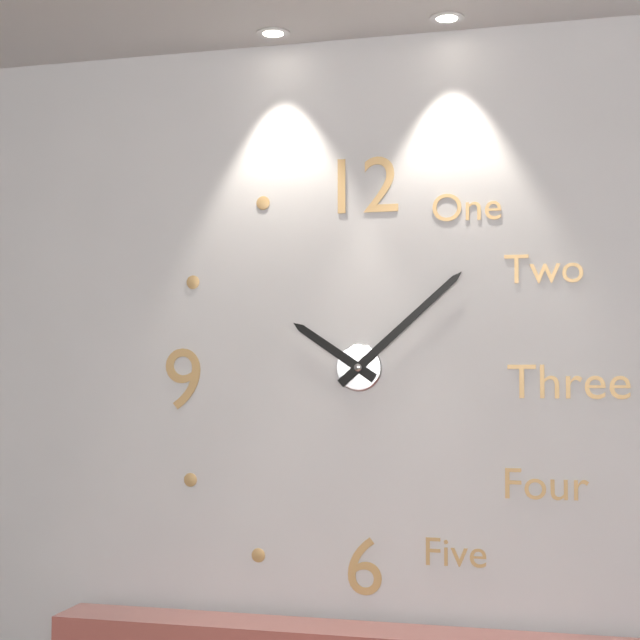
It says **10:08**
